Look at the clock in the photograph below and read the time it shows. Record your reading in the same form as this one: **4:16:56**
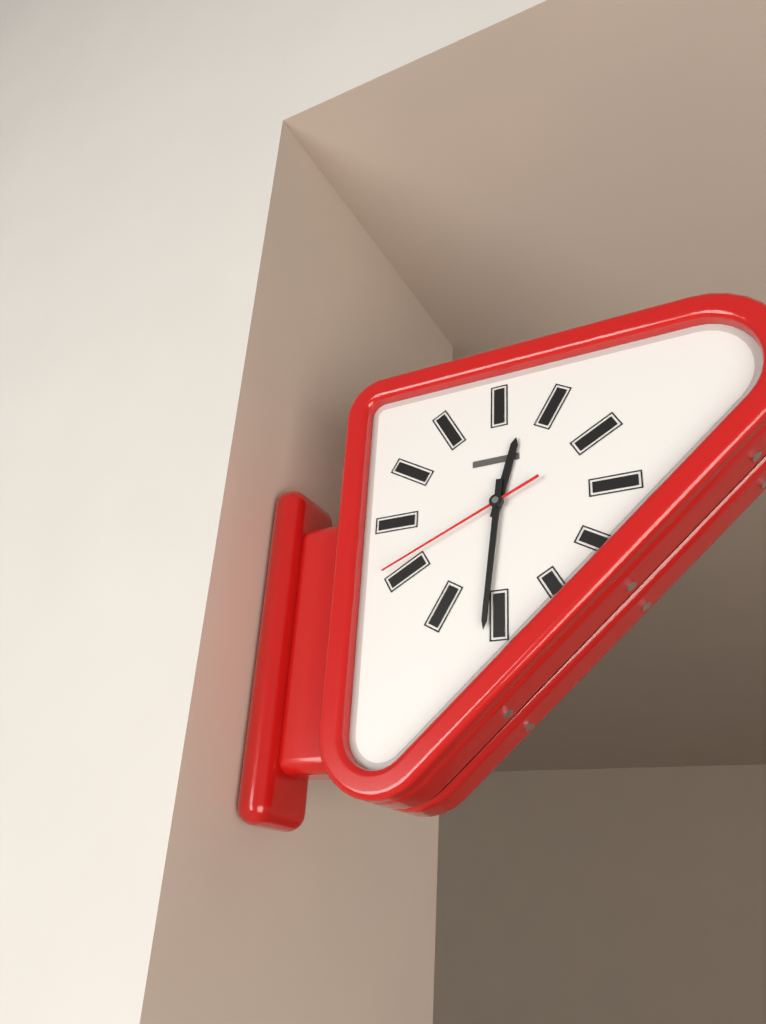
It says **12:31:41**
